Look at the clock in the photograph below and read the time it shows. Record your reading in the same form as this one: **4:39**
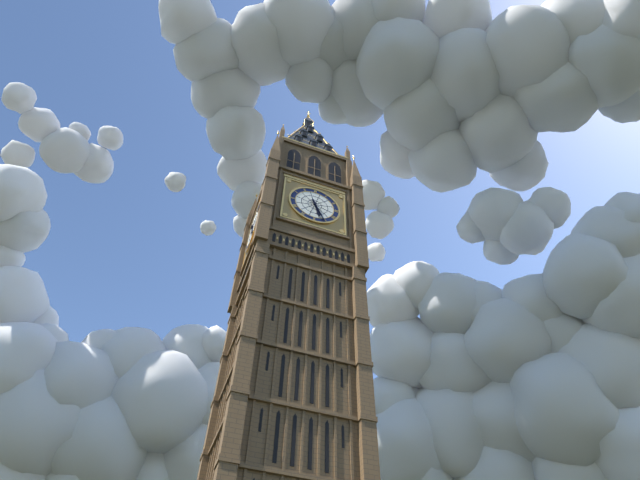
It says **5:26**
